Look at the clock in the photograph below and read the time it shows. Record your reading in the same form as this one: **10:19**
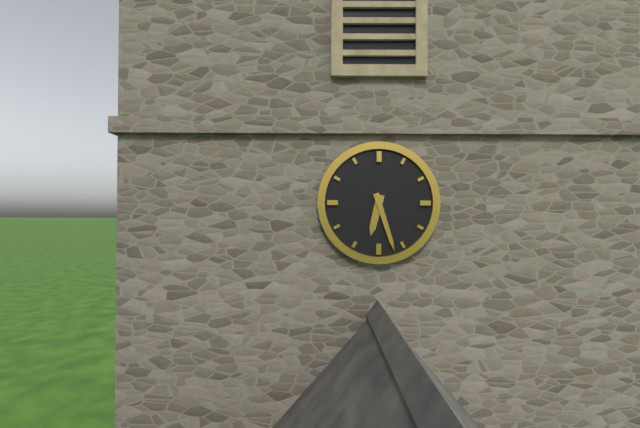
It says **6:27**
